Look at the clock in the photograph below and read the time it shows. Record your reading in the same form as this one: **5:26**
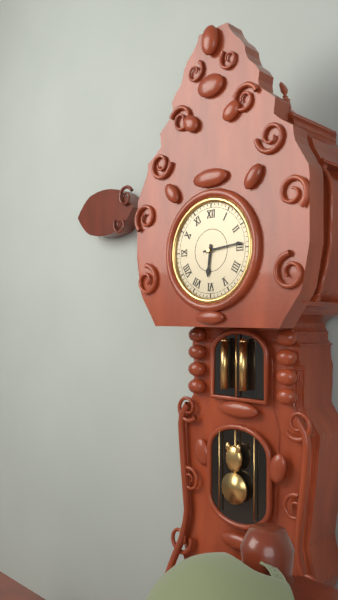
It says **6:14**
